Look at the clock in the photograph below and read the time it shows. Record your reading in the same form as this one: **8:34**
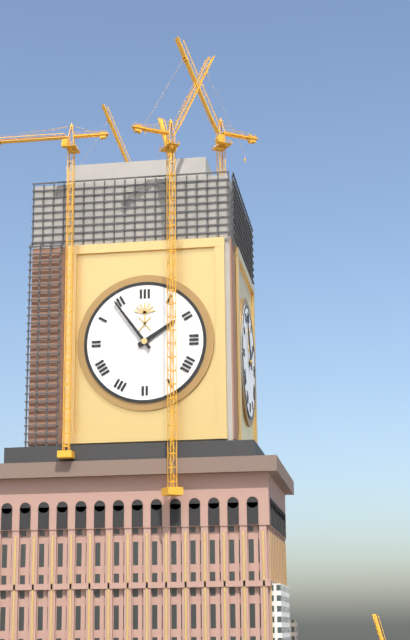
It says **1:54**
